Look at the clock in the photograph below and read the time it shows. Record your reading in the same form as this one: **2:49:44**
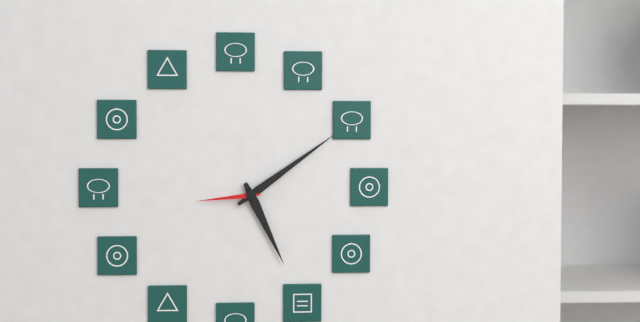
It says **5:09:44**
